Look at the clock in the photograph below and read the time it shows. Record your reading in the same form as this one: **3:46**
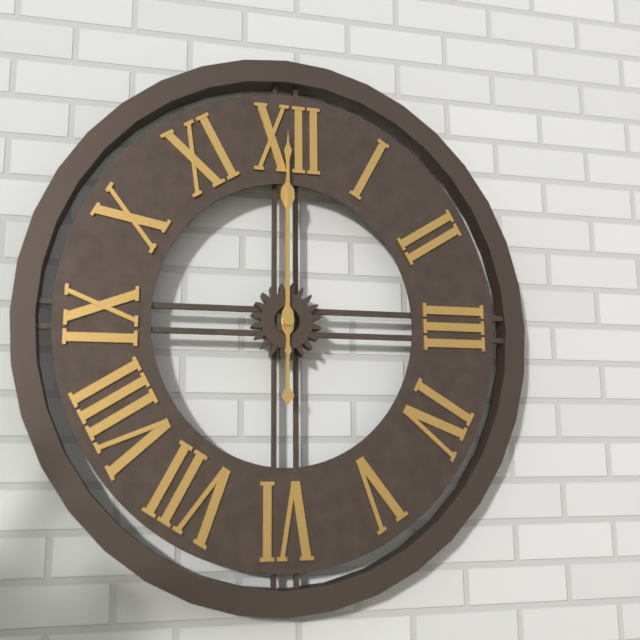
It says **12:00**
